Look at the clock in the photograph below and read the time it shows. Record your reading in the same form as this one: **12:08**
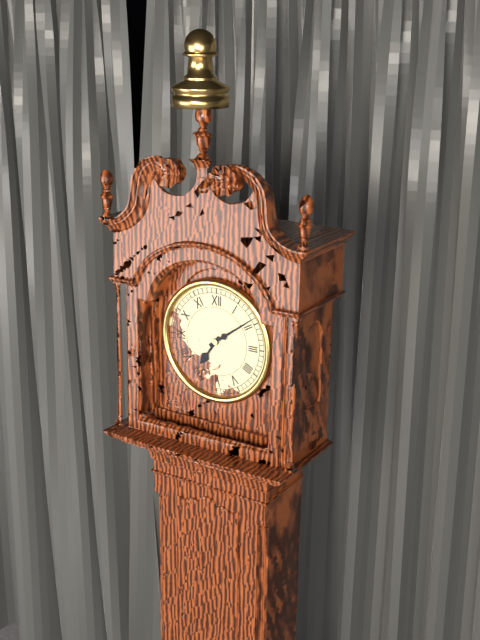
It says **7:09**
